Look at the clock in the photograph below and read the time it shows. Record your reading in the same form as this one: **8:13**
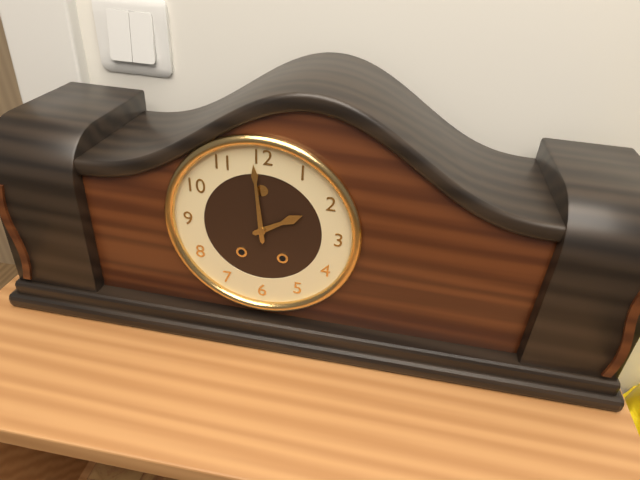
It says **1:59**
